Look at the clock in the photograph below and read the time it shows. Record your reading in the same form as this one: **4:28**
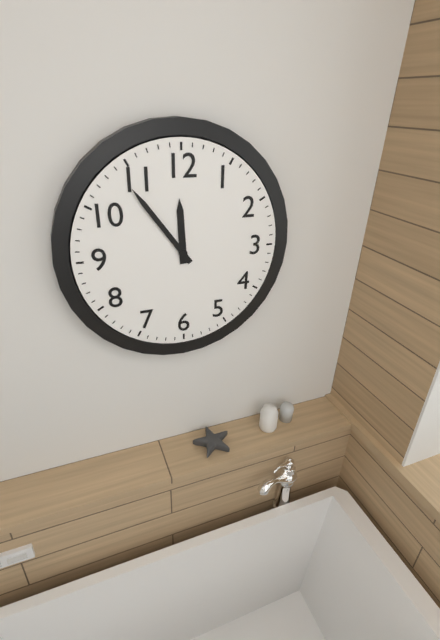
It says **11:54**
